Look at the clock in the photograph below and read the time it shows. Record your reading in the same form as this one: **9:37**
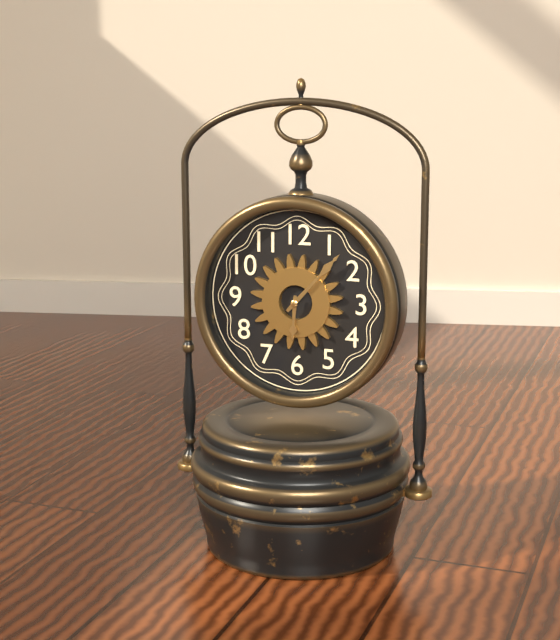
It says **6:07**
